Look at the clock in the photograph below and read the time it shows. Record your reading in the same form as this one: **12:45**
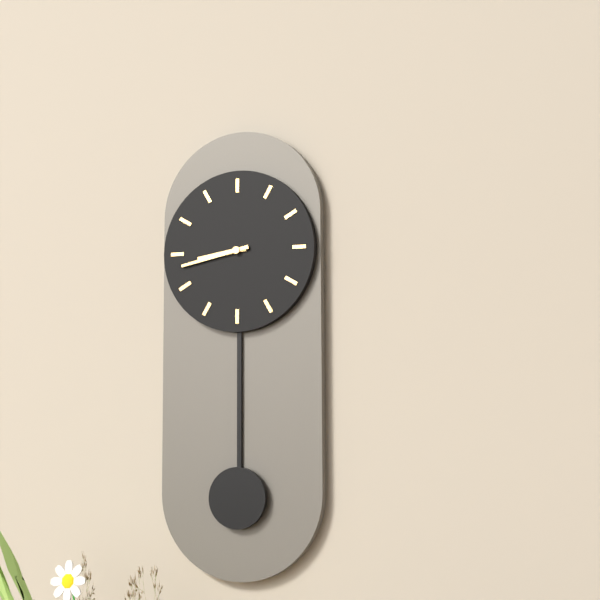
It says **8:43**
